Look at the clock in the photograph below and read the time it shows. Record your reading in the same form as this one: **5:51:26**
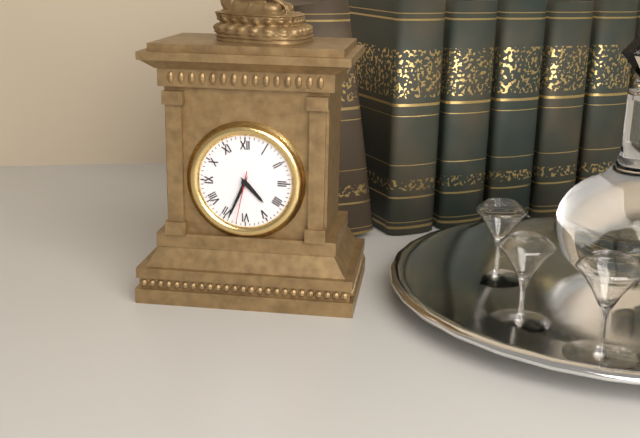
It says **4:34:32**
